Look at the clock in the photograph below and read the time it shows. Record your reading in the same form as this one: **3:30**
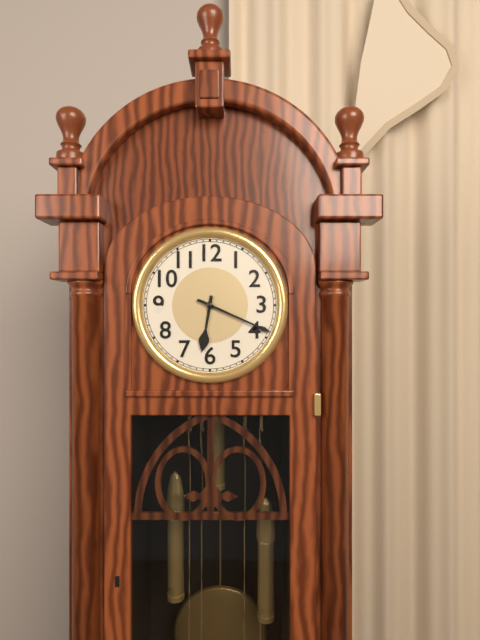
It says **6:19**
